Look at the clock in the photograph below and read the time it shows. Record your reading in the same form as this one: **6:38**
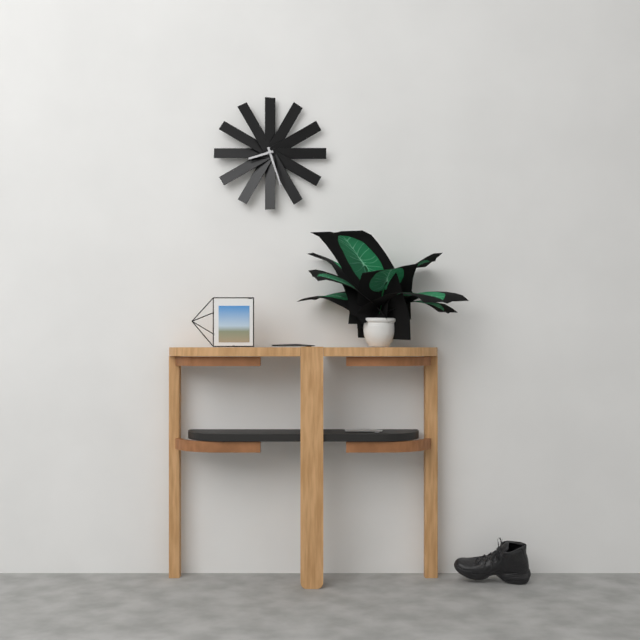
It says **8:27**
